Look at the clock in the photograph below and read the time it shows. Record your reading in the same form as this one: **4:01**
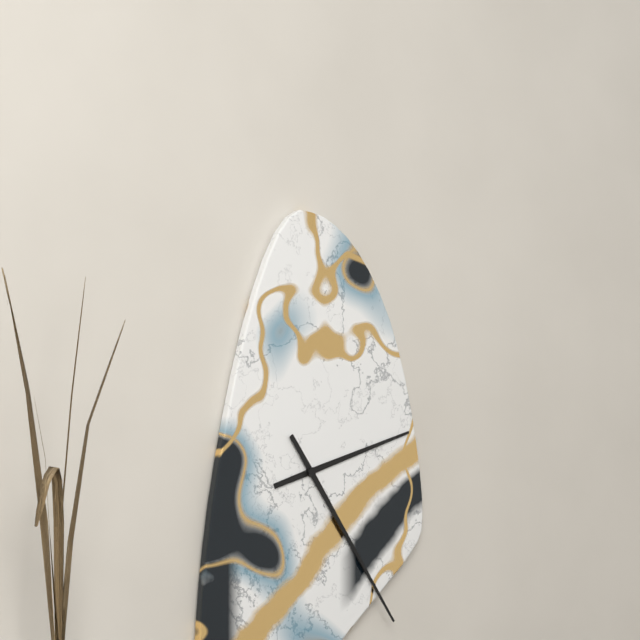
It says **2:24**
